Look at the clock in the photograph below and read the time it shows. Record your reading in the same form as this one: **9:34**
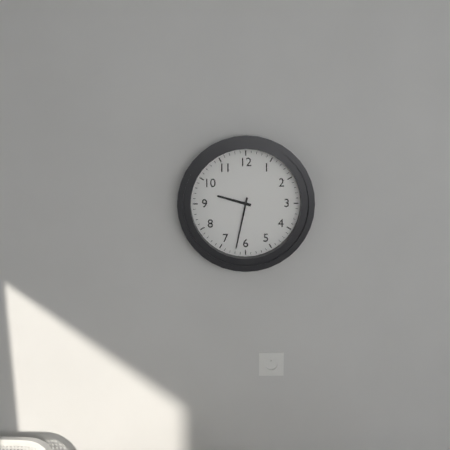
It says **9:32**
